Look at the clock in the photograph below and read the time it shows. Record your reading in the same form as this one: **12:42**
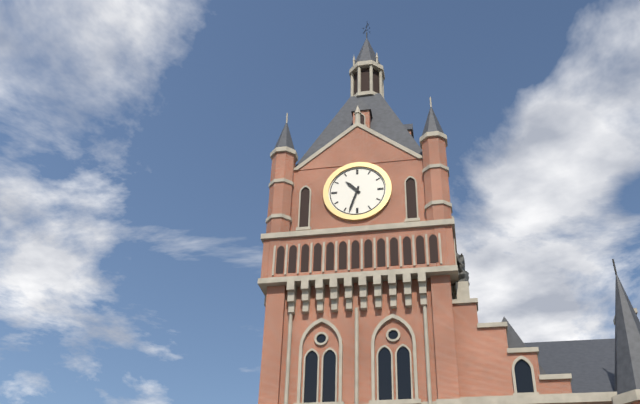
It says **10:33**
